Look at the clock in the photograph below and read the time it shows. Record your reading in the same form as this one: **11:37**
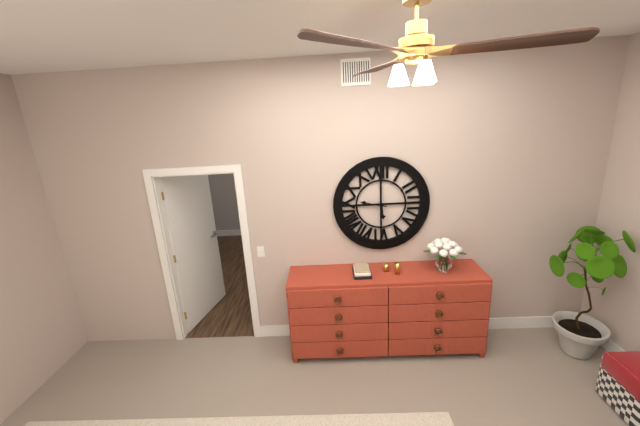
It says **5:47**
